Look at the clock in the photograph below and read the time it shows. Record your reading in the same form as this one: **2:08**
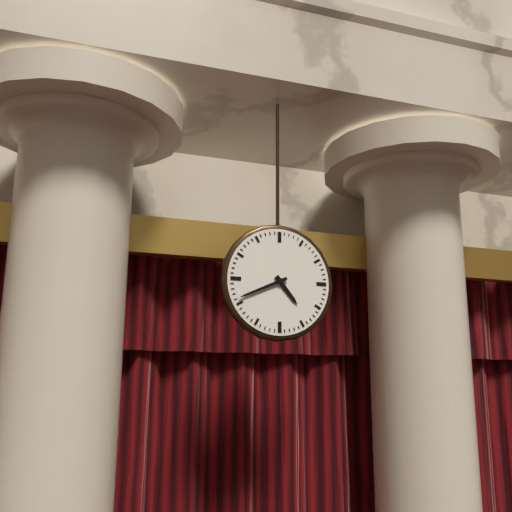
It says **4:41**
